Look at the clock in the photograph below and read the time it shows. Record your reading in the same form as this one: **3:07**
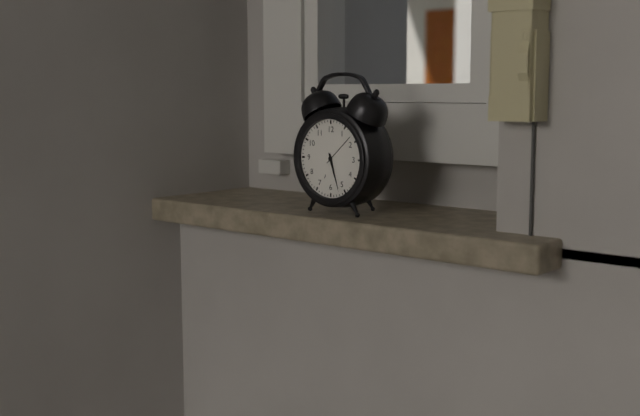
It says **5:27**
